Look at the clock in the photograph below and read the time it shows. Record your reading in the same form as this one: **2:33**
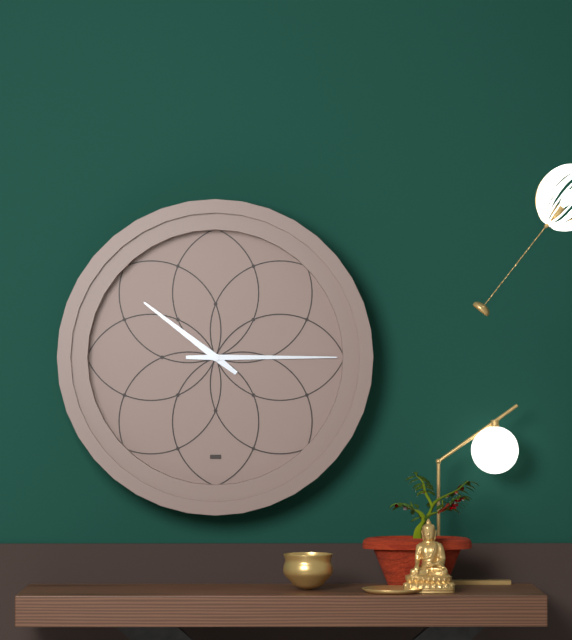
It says **10:15**
